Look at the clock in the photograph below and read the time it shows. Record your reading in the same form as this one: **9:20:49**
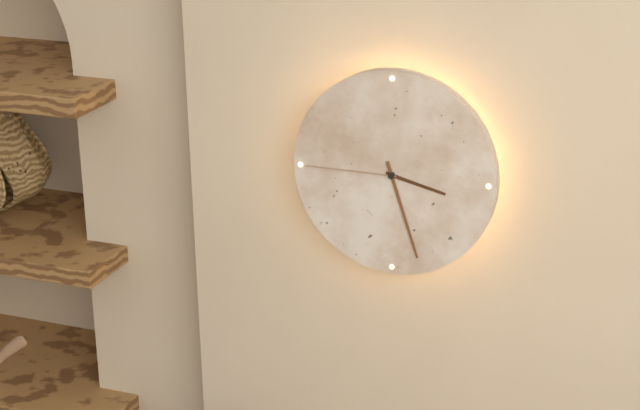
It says **3:27:45**
